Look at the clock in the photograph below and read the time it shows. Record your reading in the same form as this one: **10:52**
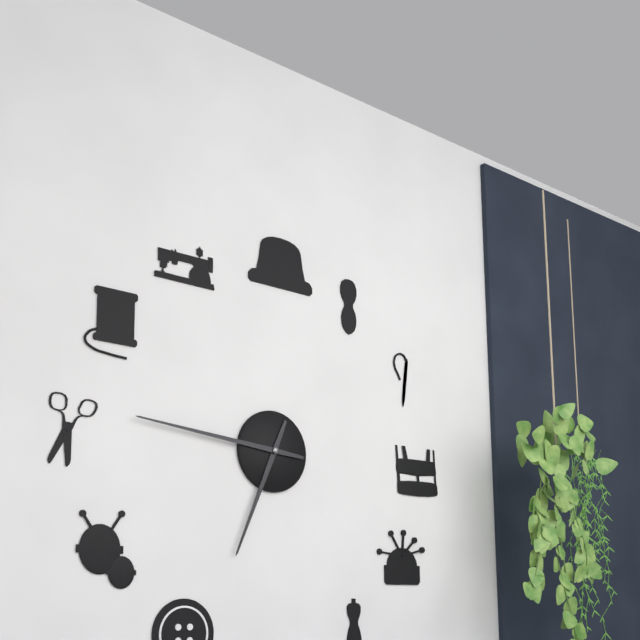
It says **6:46**
